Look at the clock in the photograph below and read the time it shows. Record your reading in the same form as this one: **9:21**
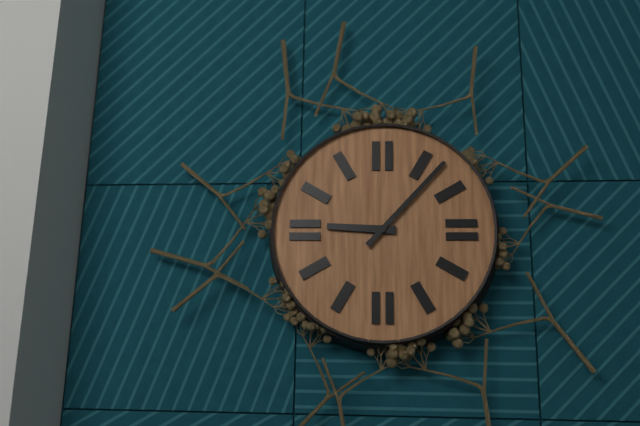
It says **9:07**
